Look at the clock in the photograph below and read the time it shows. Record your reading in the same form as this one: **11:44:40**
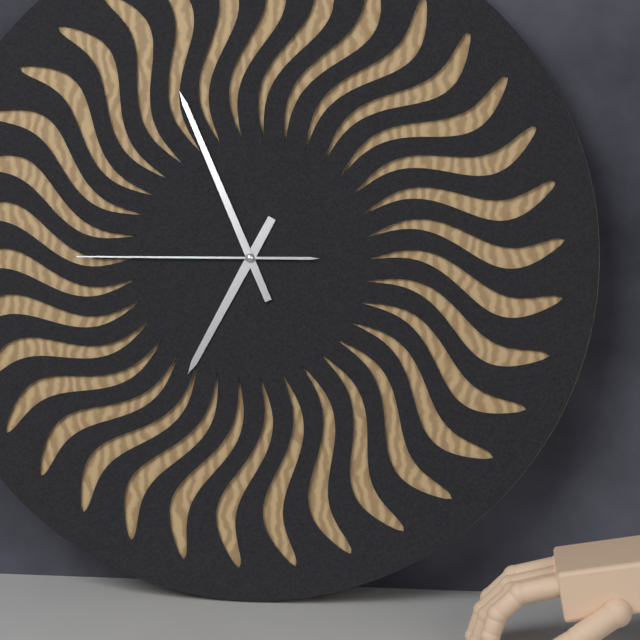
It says **6:56:45**
